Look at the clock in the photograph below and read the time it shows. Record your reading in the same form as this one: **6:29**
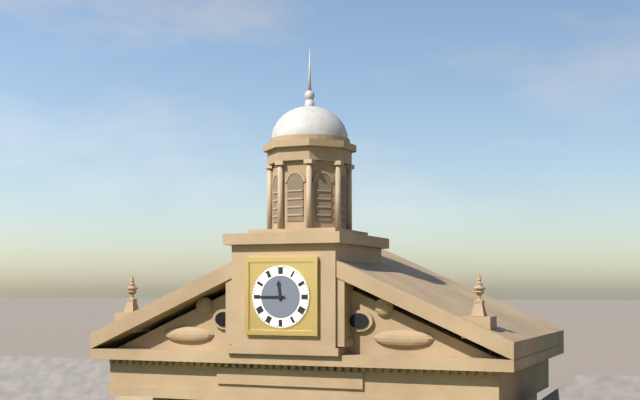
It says **11:45**
